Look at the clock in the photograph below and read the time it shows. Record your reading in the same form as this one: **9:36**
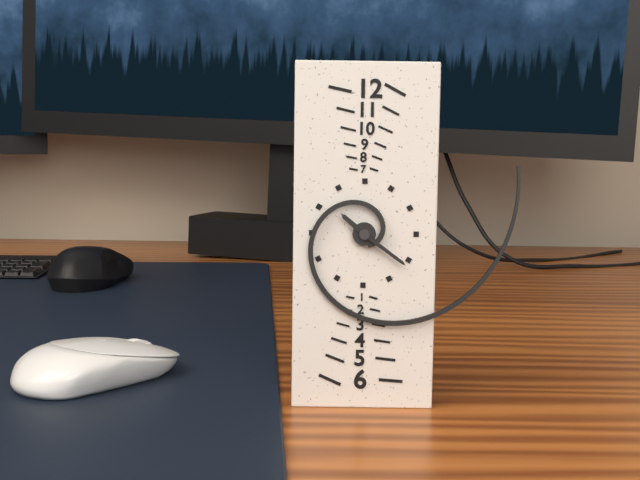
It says **10:21**
